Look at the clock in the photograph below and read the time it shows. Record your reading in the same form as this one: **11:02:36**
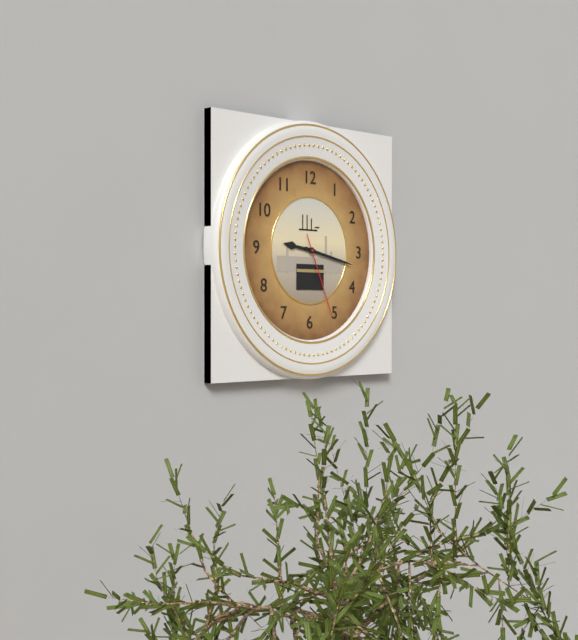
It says **9:17:26**
